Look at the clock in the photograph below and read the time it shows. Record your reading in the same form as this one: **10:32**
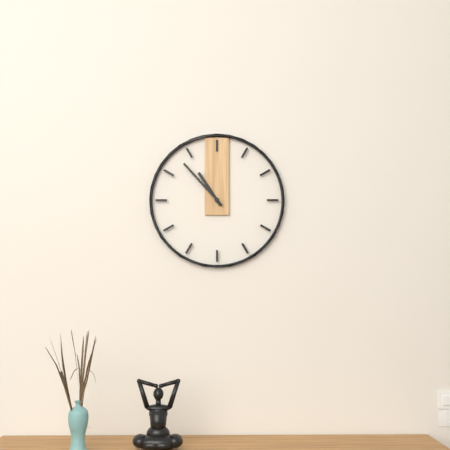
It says **10:53**
